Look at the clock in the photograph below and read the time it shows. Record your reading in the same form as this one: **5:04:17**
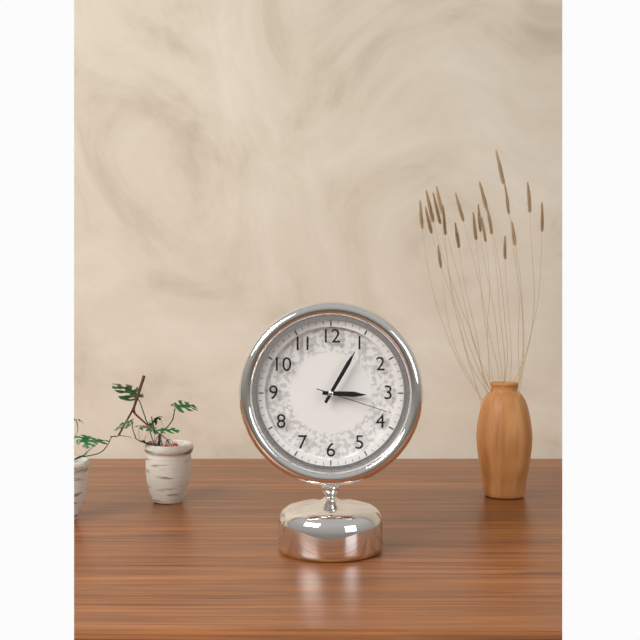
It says **3:05:18**
